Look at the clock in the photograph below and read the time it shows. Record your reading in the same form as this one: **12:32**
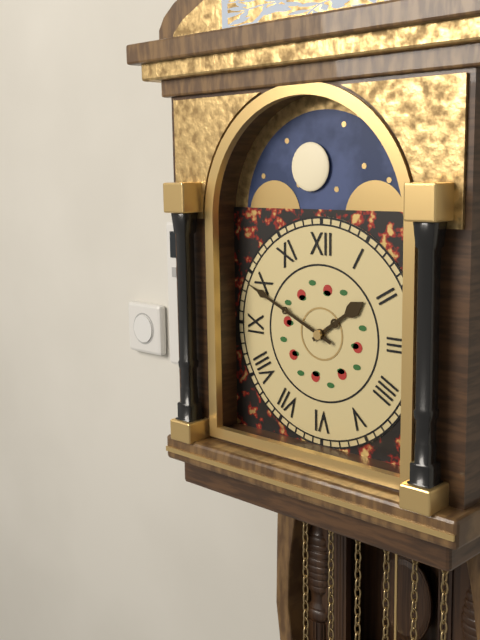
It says **1:49**
